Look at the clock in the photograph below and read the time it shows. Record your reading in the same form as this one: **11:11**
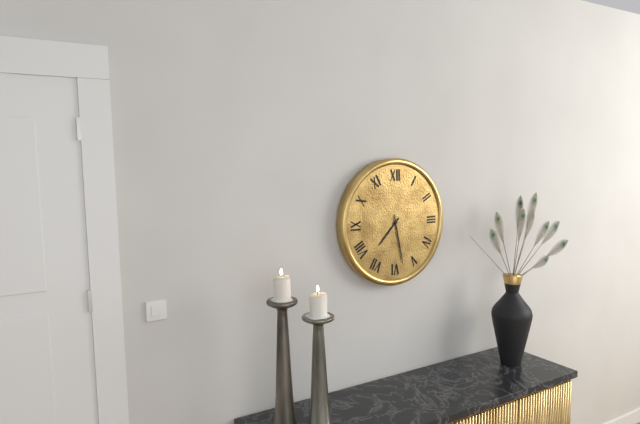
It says **7:28**
